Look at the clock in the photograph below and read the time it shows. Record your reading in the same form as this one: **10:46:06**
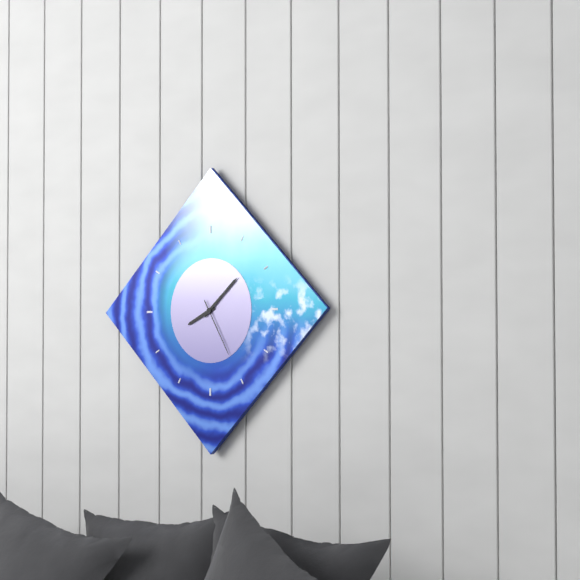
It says **8:08:25**
